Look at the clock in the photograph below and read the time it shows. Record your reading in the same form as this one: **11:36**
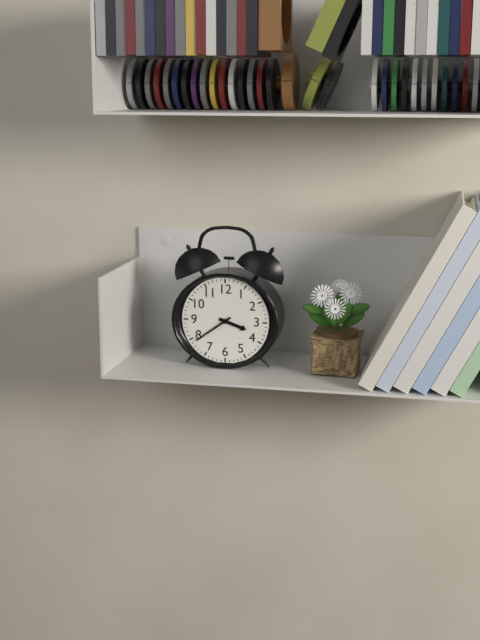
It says **3:39**
